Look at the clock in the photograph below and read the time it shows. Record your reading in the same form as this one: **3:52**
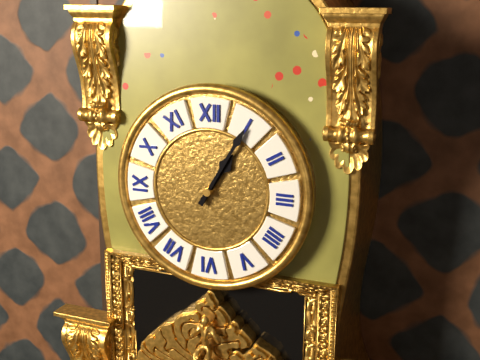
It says **1:05**
